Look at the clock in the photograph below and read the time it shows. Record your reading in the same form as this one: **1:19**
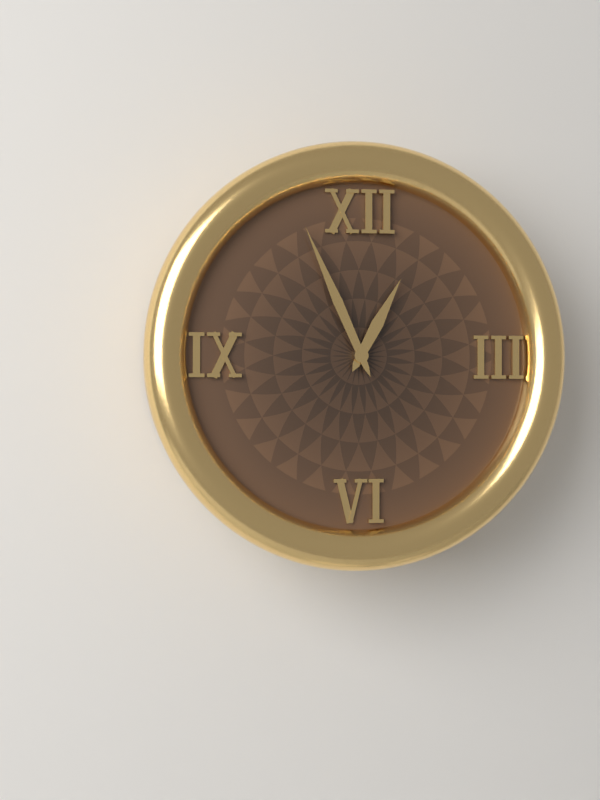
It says **12:56**
